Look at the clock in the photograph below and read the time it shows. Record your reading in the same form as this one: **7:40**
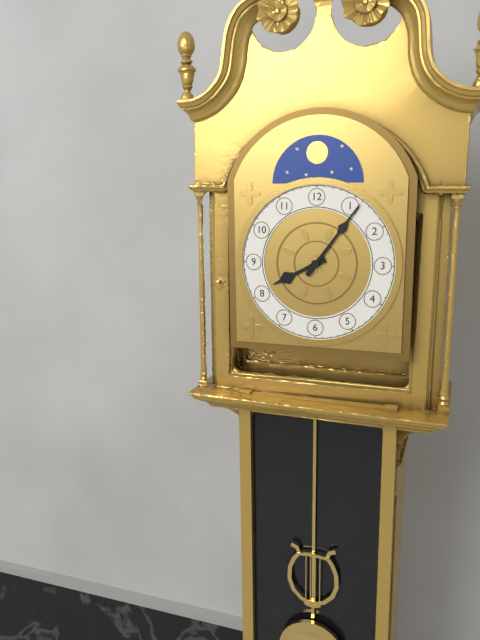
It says **8:06**
